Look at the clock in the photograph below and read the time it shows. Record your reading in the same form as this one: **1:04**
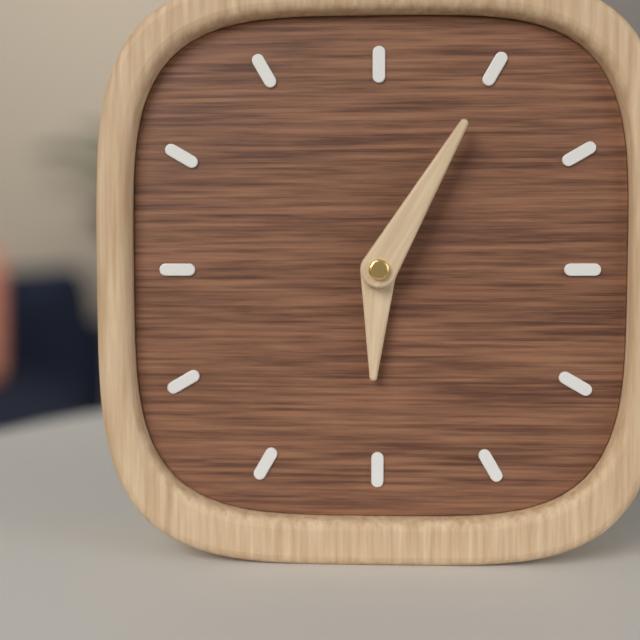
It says **6:05**
